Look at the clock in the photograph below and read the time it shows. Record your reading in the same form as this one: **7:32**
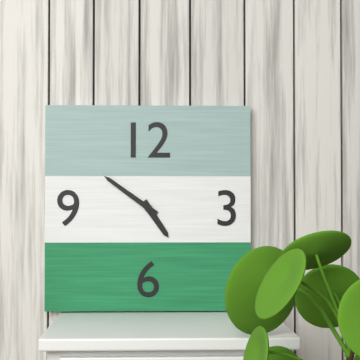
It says **4:51**
